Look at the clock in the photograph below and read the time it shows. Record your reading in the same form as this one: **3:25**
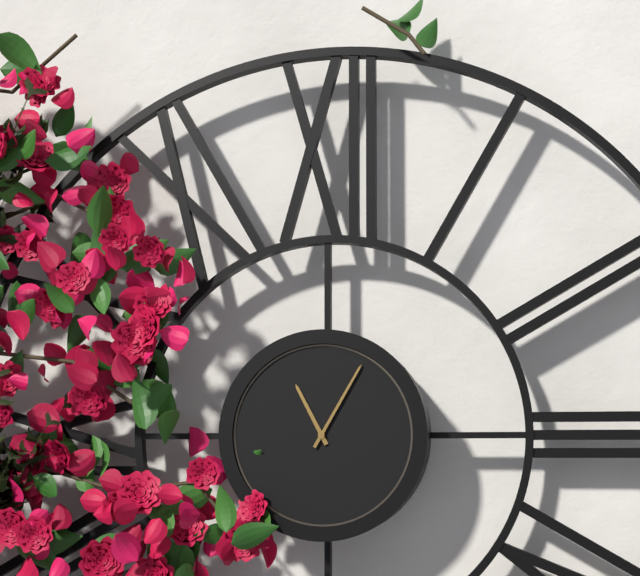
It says **11:05**
